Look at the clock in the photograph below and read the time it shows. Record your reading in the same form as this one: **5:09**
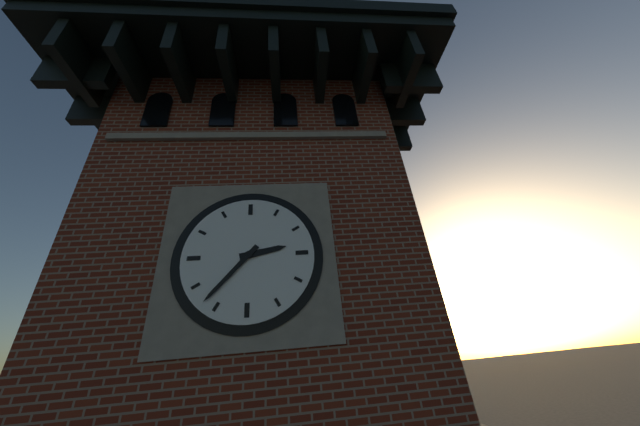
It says **2:37**
